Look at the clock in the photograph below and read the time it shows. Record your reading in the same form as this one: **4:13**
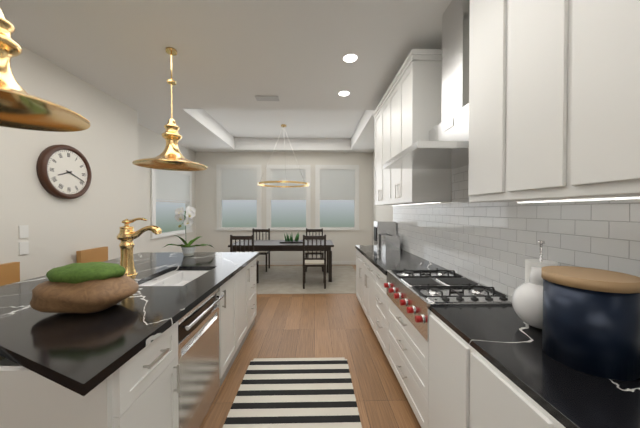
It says **8:19**
